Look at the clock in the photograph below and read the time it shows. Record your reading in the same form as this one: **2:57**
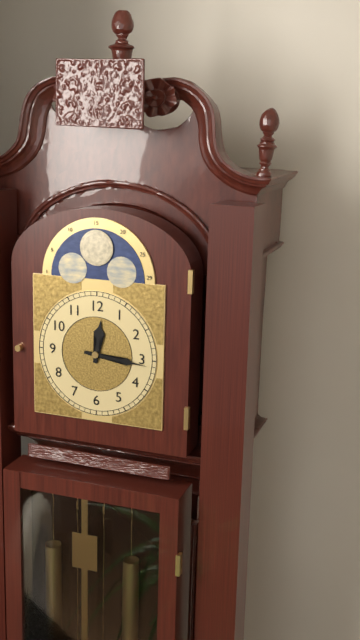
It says **12:16**
